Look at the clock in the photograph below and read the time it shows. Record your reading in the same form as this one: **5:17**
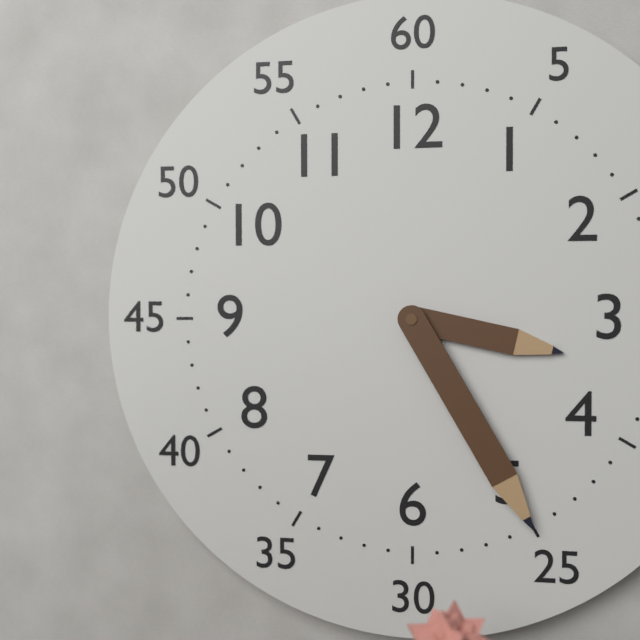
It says **3:25**
